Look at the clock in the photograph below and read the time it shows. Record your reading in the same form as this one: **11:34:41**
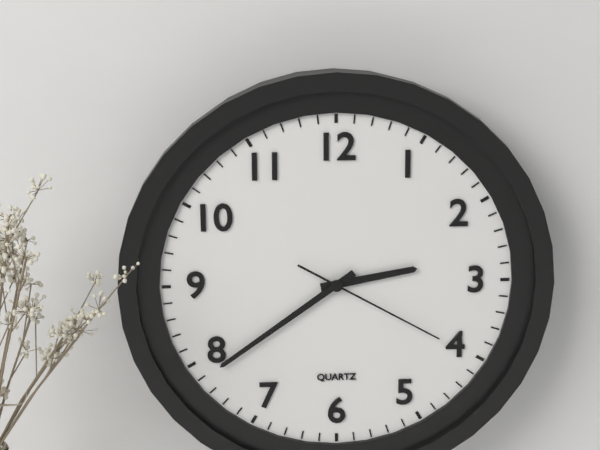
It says **2:39:20**
